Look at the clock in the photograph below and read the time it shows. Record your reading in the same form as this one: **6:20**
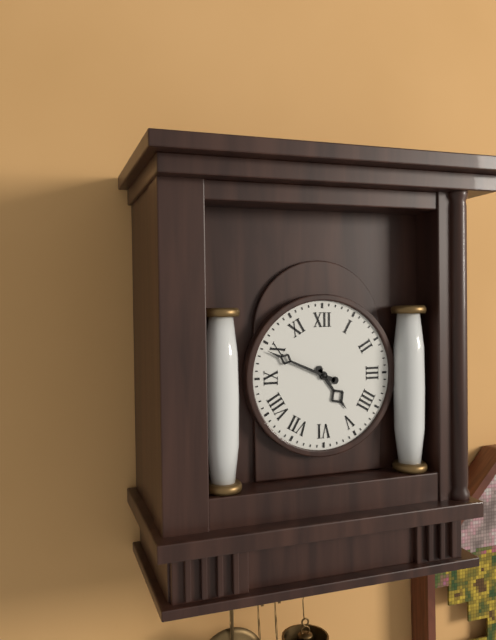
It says **4:49**
